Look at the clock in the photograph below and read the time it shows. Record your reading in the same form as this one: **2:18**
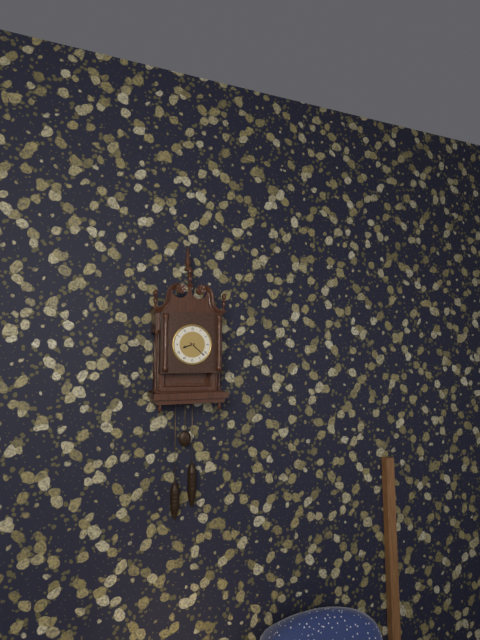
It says **8:22**
